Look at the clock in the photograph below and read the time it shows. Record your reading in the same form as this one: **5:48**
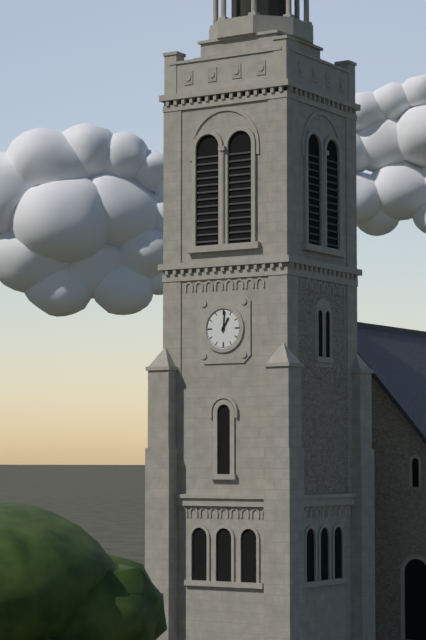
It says **1:01**
